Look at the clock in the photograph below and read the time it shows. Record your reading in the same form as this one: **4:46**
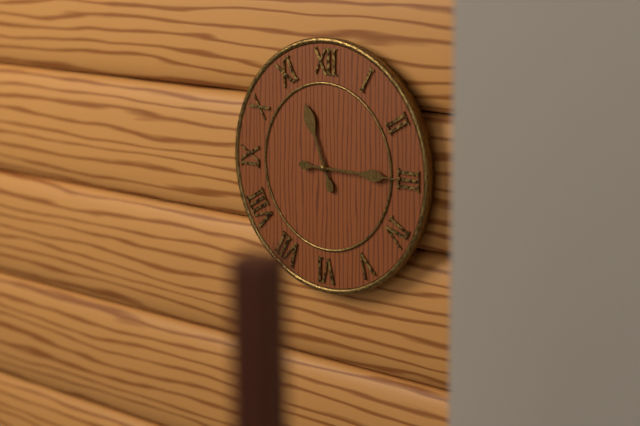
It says **11:15**
